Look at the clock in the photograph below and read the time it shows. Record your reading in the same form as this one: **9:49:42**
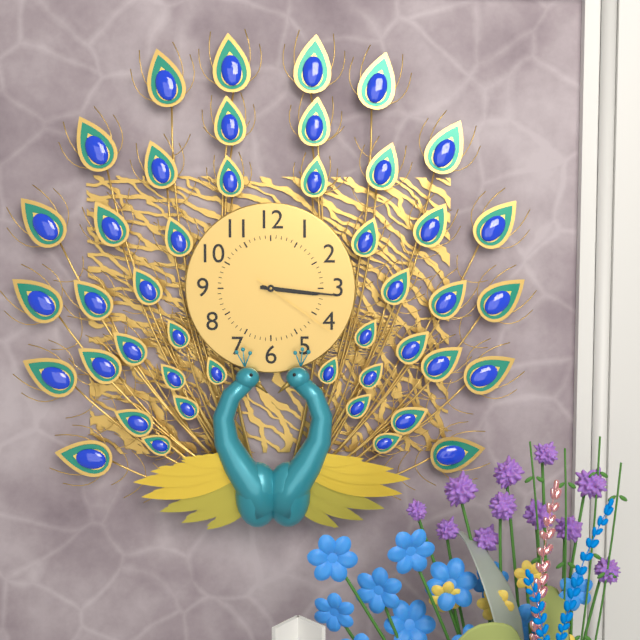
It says **3:16:21**
